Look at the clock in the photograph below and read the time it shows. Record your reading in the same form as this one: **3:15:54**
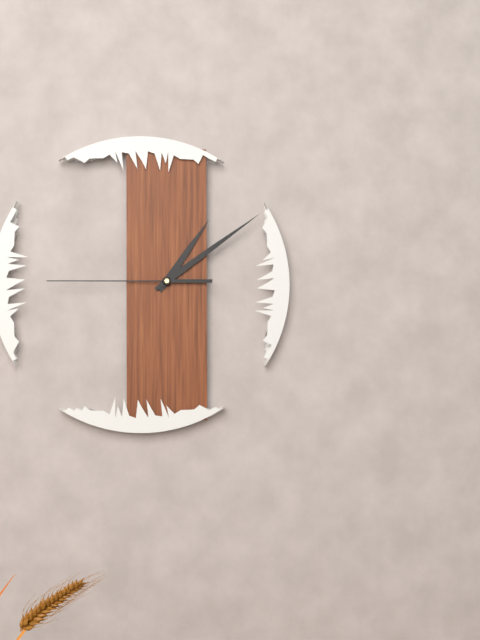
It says **1:09:45**
